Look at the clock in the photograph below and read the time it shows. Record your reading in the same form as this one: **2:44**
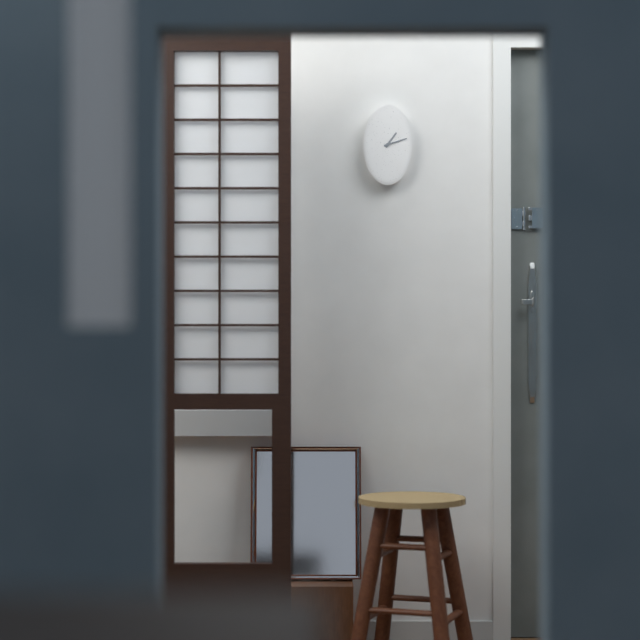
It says **1:12**
